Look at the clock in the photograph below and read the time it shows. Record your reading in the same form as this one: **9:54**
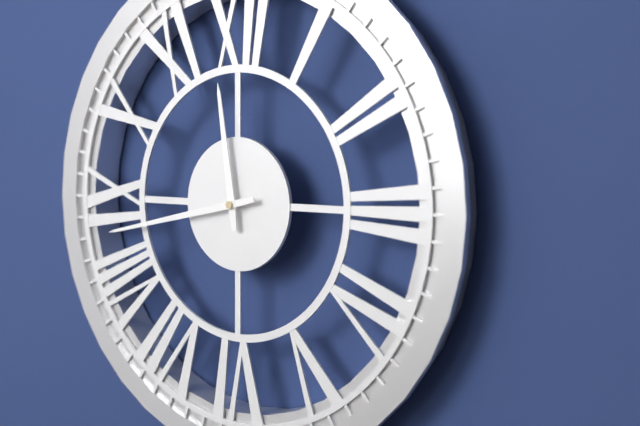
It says **11:43**
